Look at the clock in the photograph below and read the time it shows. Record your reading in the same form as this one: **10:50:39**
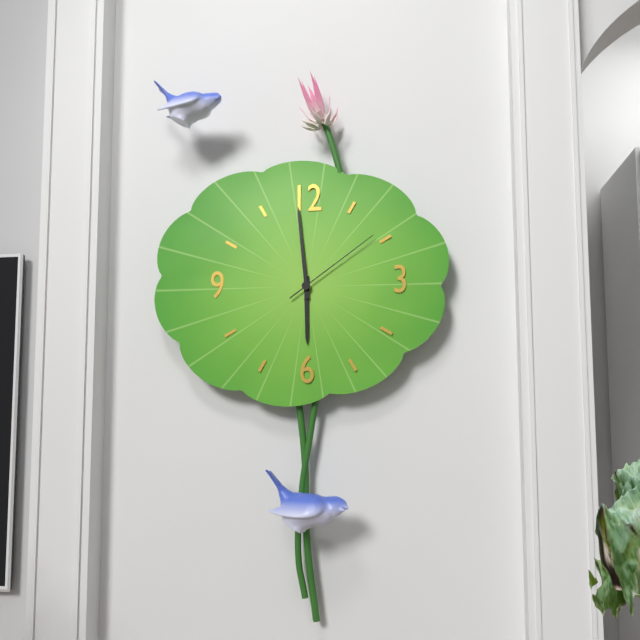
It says **5:59:09**
